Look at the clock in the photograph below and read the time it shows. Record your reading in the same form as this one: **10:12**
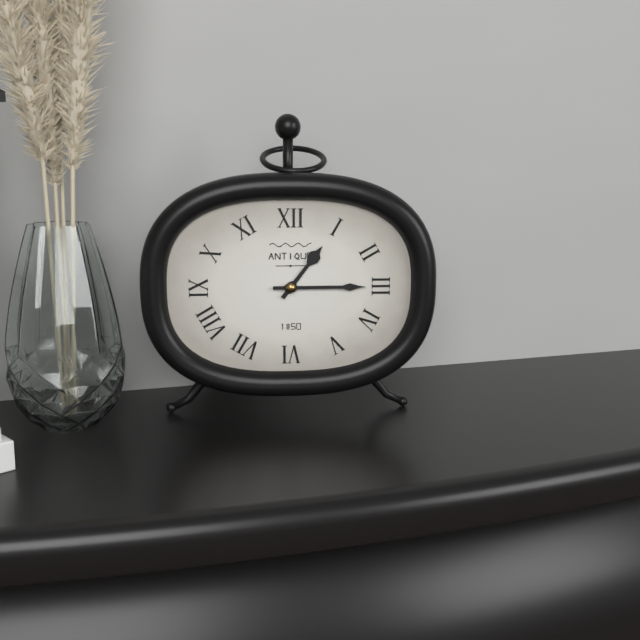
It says **1:15**
